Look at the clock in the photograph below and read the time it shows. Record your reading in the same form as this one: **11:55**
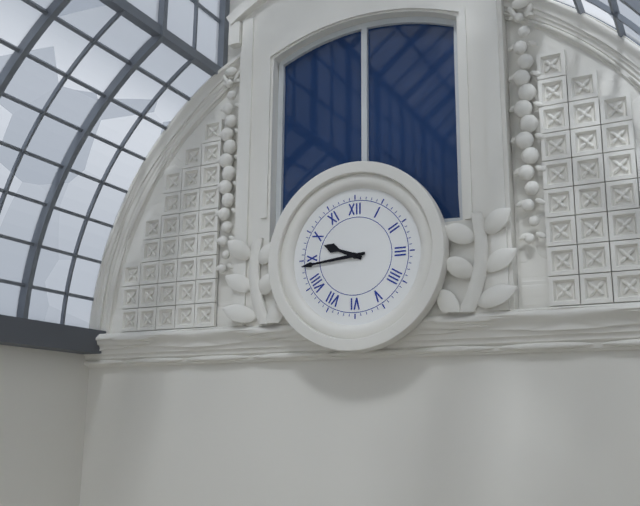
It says **9:44**
